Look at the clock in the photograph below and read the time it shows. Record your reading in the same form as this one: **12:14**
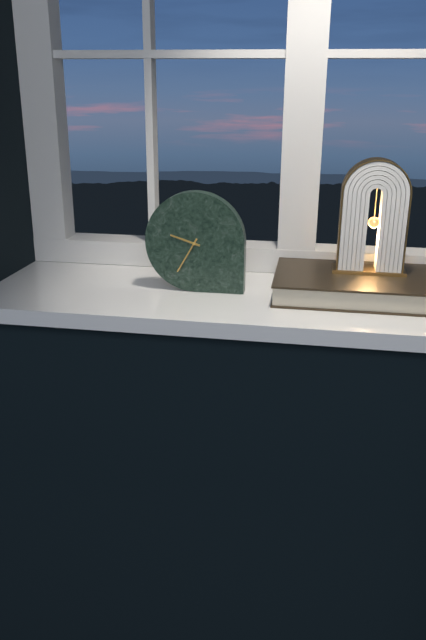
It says **9:35**
